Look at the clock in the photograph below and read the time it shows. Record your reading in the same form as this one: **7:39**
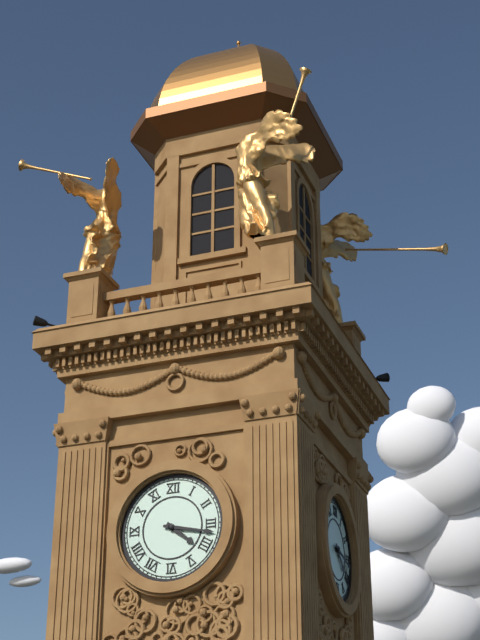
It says **4:17**
